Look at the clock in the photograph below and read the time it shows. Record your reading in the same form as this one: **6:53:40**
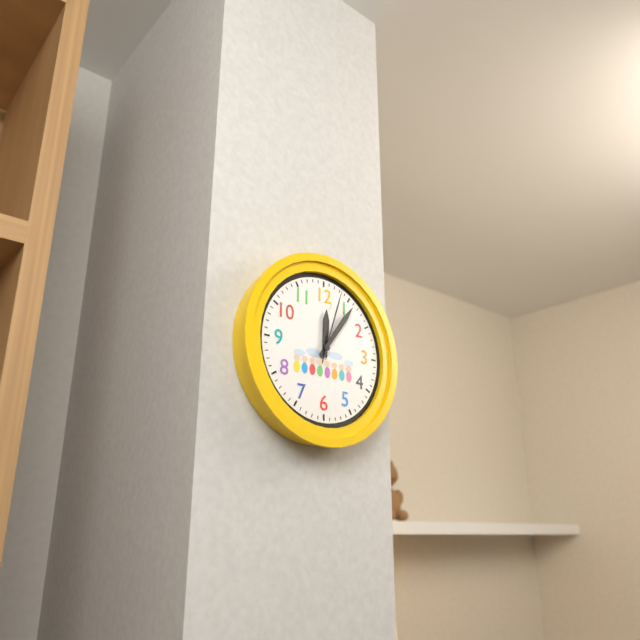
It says **12:06:03**
